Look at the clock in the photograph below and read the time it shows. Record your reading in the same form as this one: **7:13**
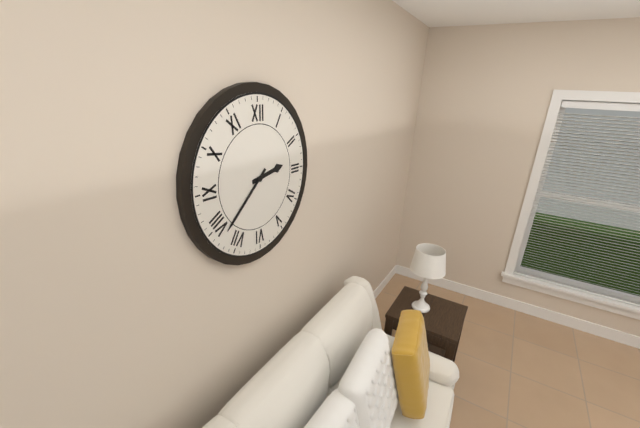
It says **2:38**
